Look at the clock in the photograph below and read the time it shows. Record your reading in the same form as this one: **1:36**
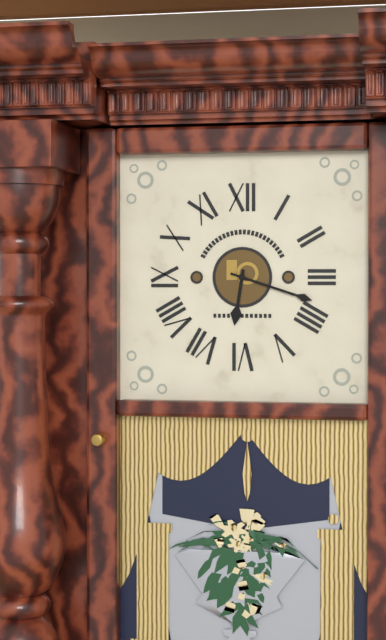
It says **6:18**
